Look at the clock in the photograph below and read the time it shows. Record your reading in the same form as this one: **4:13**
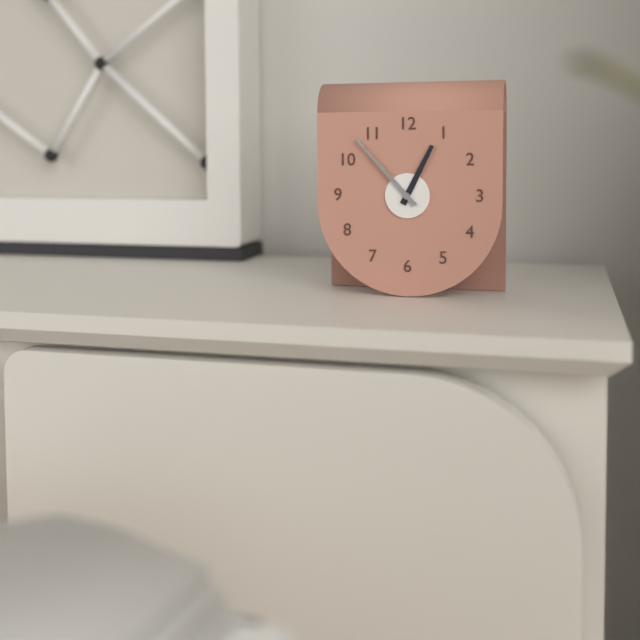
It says **12:53**
